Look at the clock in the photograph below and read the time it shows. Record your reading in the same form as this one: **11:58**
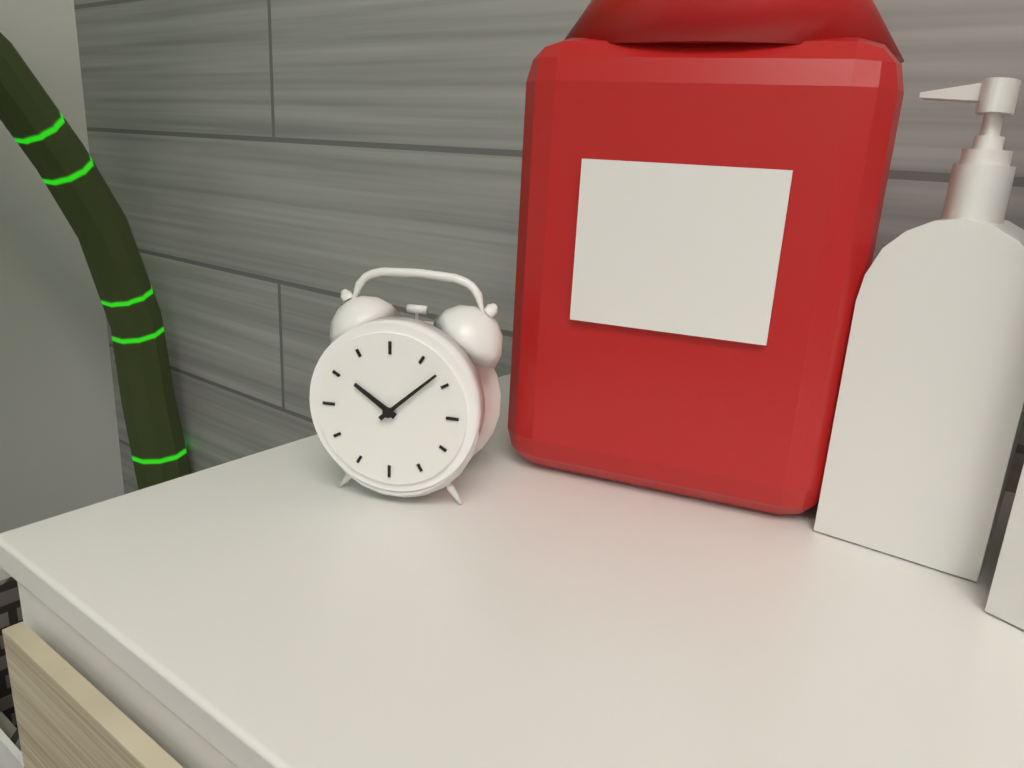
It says **10:08**
